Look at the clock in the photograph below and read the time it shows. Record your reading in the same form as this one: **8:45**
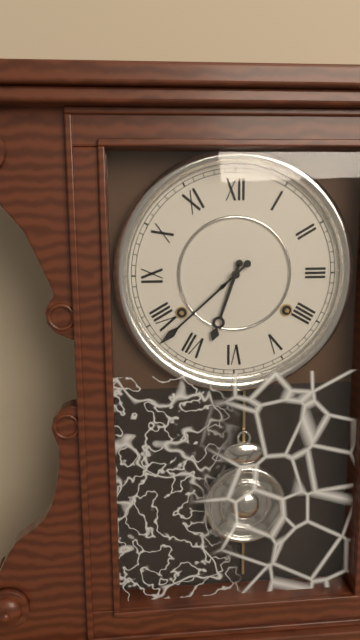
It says **6:38**
